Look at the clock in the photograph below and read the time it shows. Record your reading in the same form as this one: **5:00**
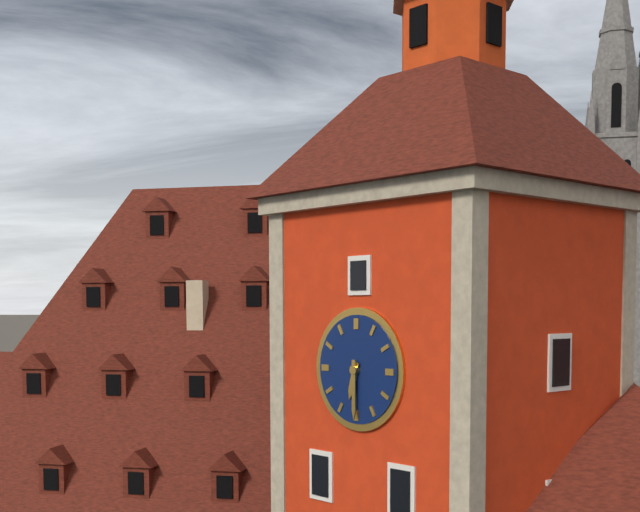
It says **6:30**
